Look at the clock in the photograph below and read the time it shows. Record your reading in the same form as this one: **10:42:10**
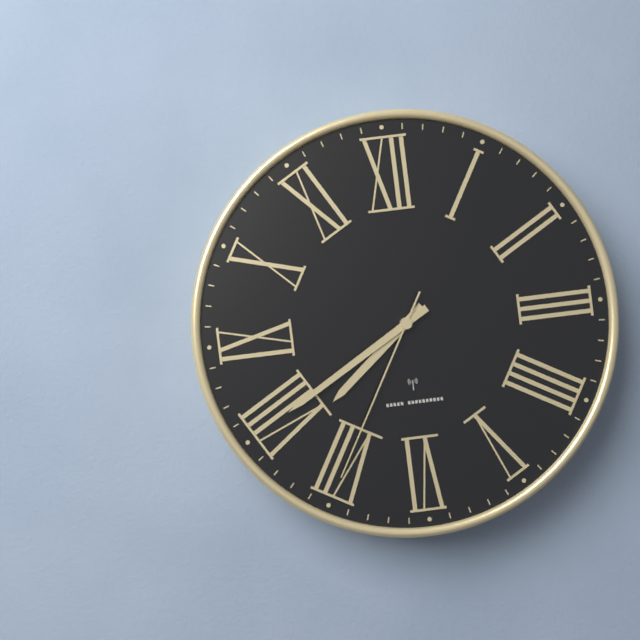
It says **7:40:35**
